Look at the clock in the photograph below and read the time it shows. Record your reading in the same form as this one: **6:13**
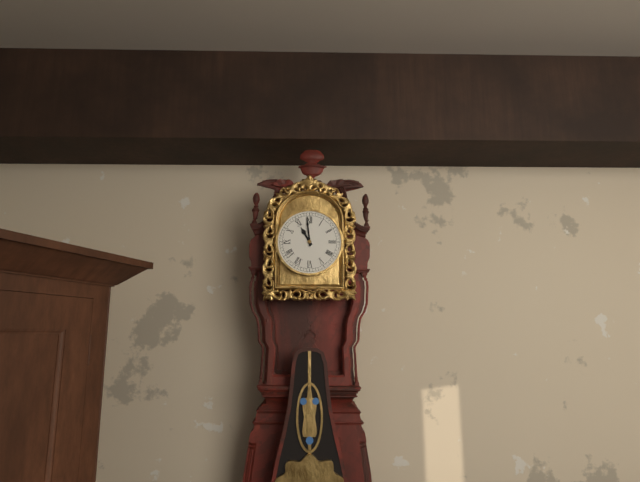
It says **10:59**
